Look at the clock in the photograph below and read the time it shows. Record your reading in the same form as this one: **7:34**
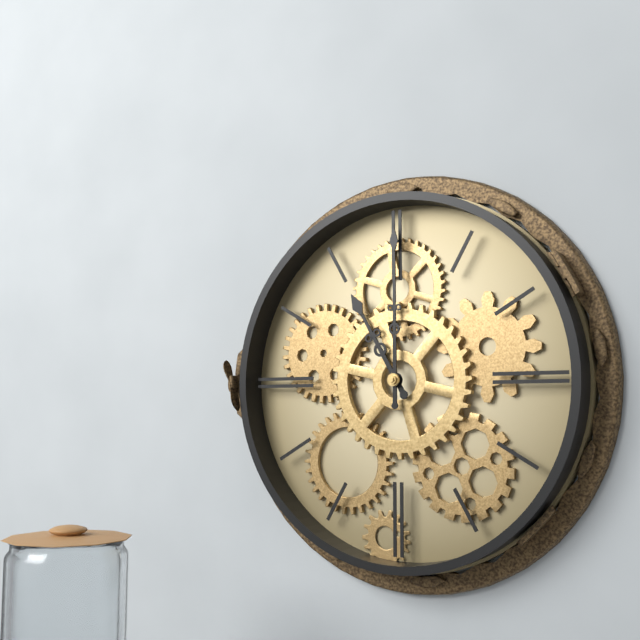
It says **11:00**
